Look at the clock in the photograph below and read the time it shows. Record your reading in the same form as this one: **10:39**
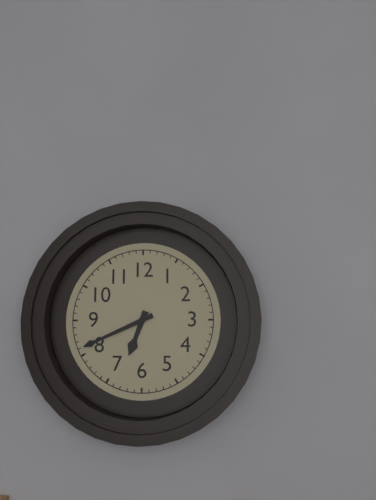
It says **6:41**
